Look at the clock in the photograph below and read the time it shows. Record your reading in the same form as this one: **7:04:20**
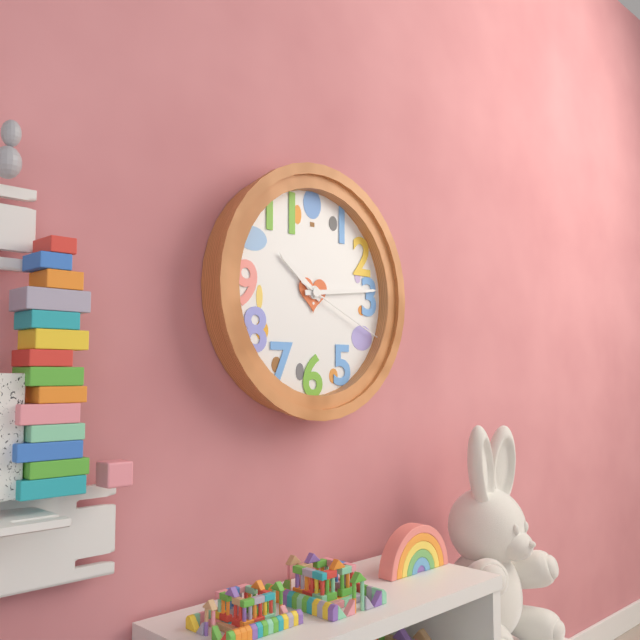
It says **10:14:19**
